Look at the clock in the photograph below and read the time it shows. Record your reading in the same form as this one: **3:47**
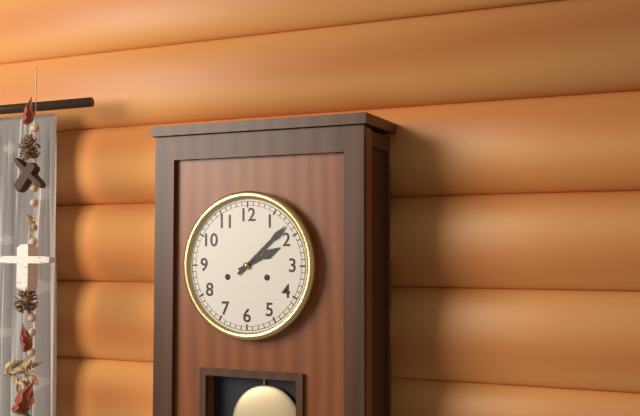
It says **2:08**
